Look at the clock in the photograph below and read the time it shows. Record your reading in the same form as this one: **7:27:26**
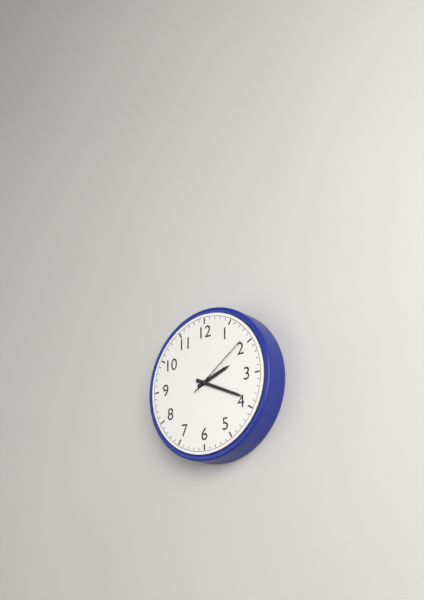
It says **2:19:09**
